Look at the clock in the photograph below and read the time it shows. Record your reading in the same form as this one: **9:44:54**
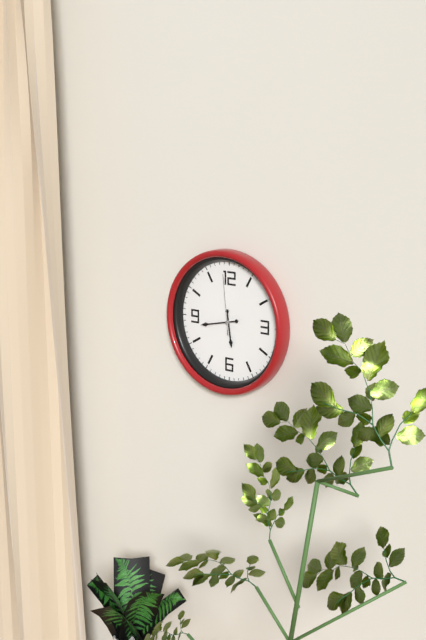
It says **5:43:59**
